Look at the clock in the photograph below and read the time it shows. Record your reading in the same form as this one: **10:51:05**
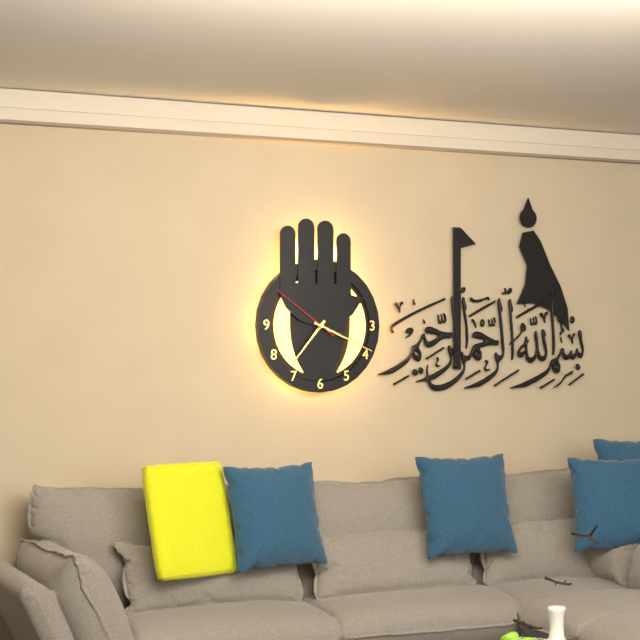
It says **7:19:51**
